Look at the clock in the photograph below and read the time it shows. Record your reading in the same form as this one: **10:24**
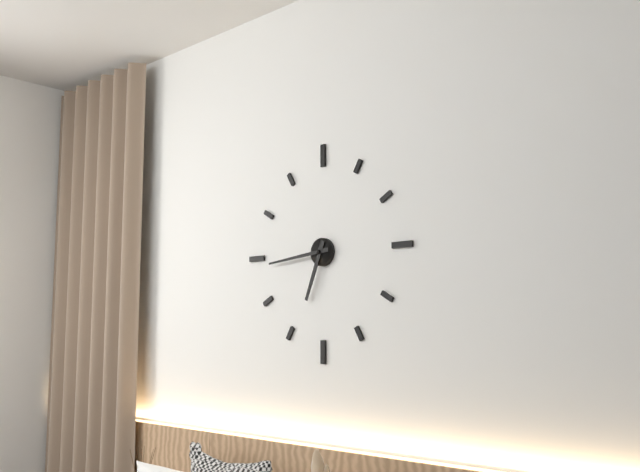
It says **6:44**
